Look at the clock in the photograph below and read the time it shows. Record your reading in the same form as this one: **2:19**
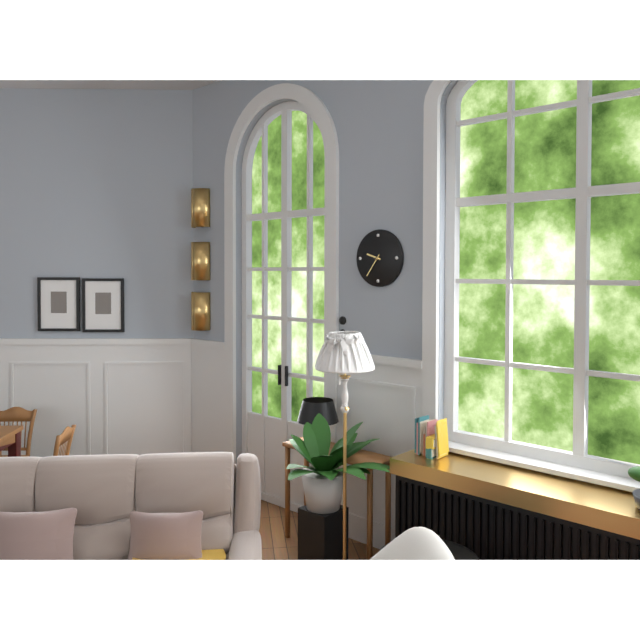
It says **9:36**
